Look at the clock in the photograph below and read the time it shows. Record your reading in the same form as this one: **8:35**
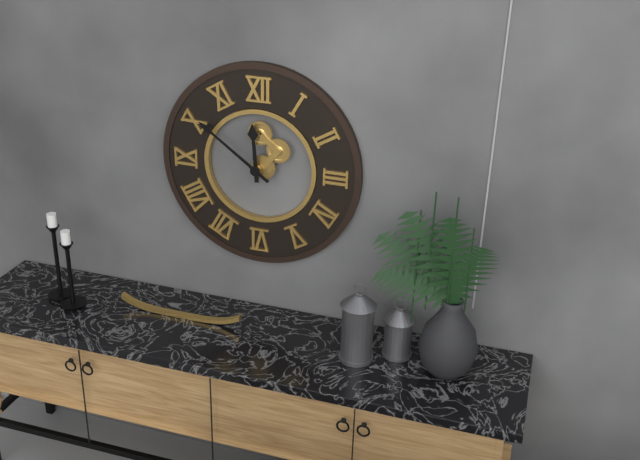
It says **11:51**
